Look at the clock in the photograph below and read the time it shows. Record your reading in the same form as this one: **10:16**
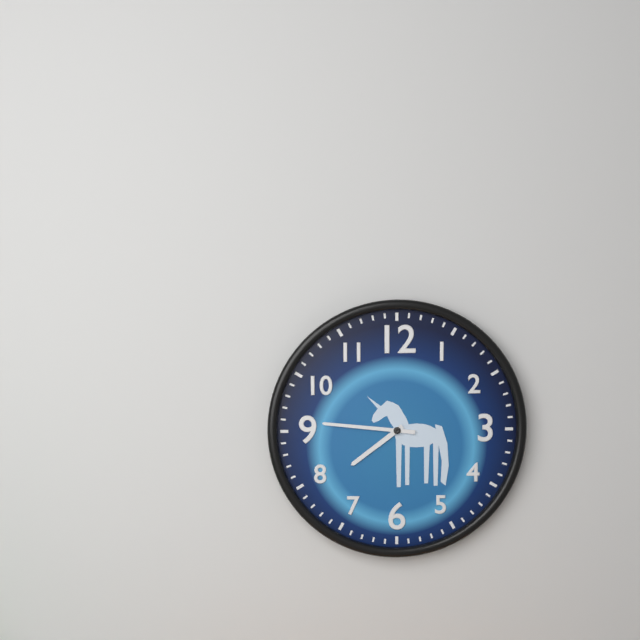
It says **7:46**
